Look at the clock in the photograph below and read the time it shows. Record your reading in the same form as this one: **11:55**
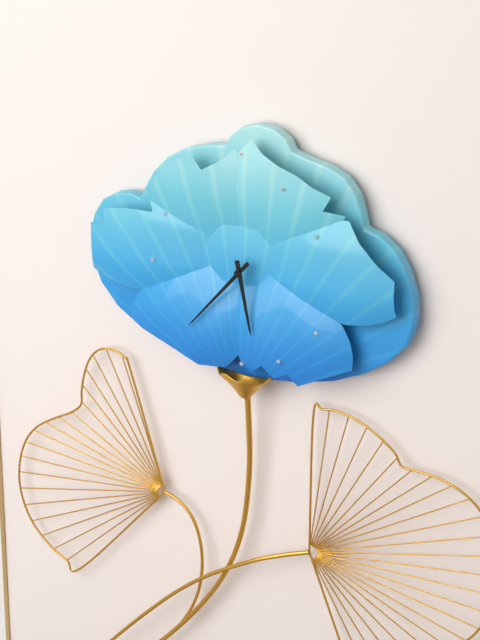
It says **5:37**
